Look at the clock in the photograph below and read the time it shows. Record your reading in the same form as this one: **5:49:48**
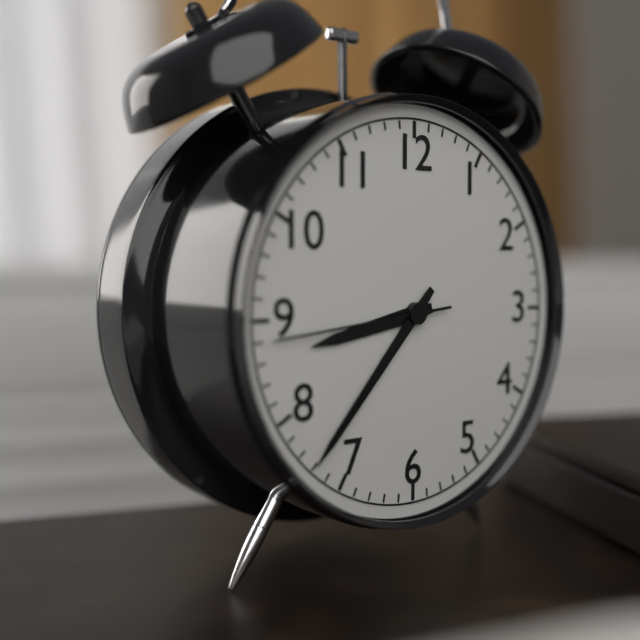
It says **8:37:44**
